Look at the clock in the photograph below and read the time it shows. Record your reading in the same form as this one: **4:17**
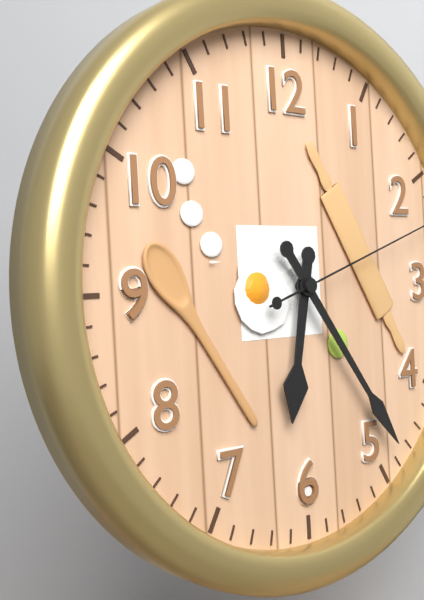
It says **6:24**
